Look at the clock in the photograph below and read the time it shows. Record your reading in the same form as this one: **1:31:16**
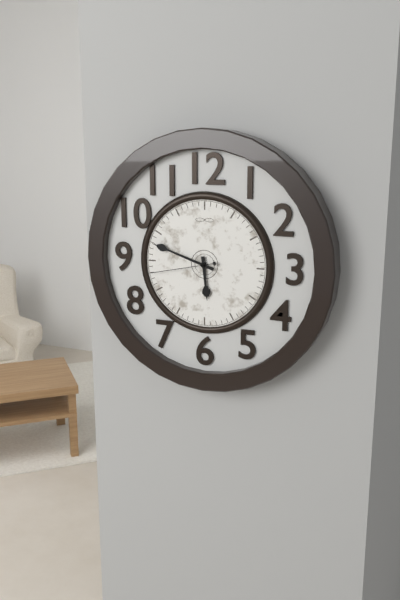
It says **5:48:43**
